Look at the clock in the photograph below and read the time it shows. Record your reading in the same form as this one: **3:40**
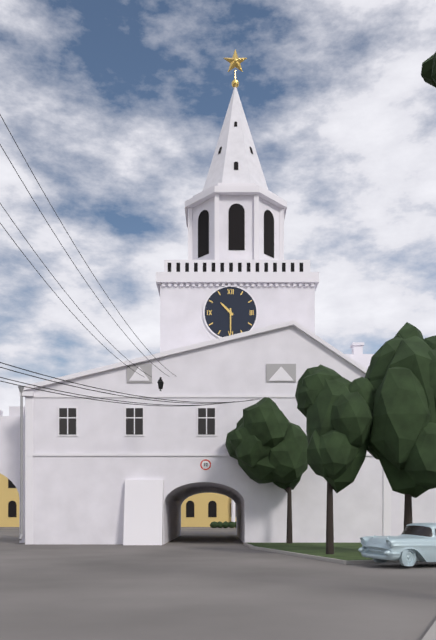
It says **10:30**
